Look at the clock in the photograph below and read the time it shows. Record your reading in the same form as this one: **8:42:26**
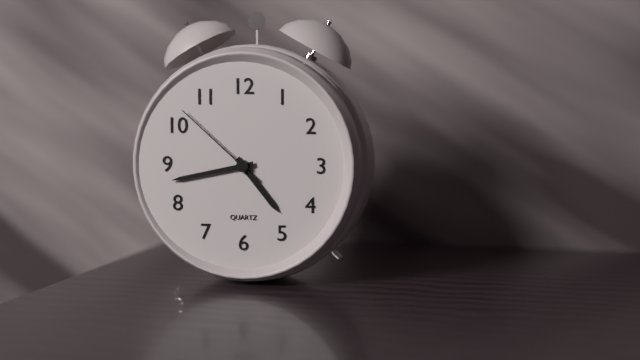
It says **4:43:52**
